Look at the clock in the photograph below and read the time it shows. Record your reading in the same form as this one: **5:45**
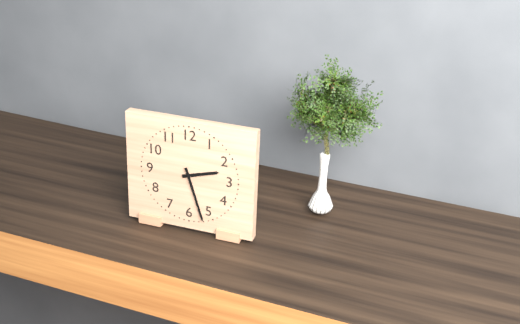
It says **2:27**
